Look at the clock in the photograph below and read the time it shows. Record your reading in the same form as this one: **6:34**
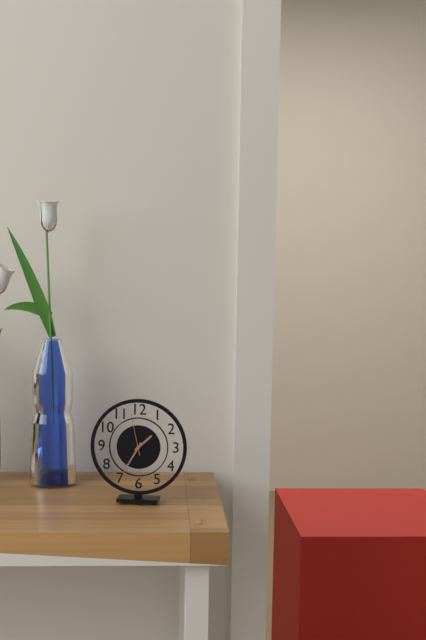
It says **1:35**
